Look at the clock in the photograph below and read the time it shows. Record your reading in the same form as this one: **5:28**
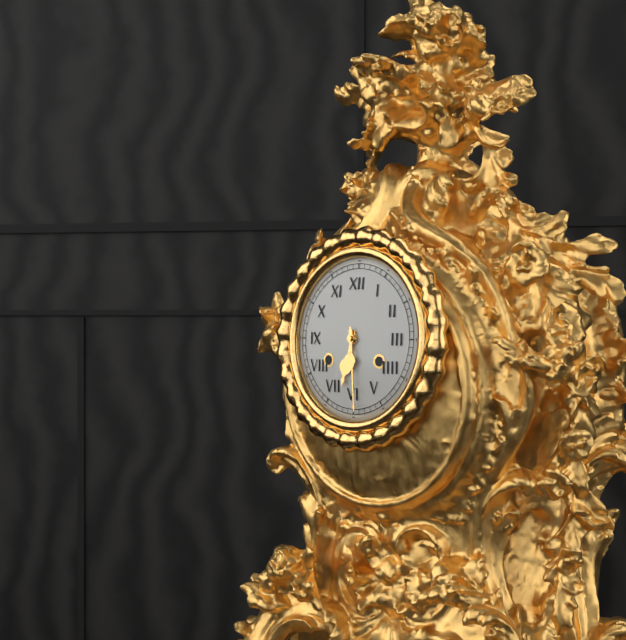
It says **6:29**
